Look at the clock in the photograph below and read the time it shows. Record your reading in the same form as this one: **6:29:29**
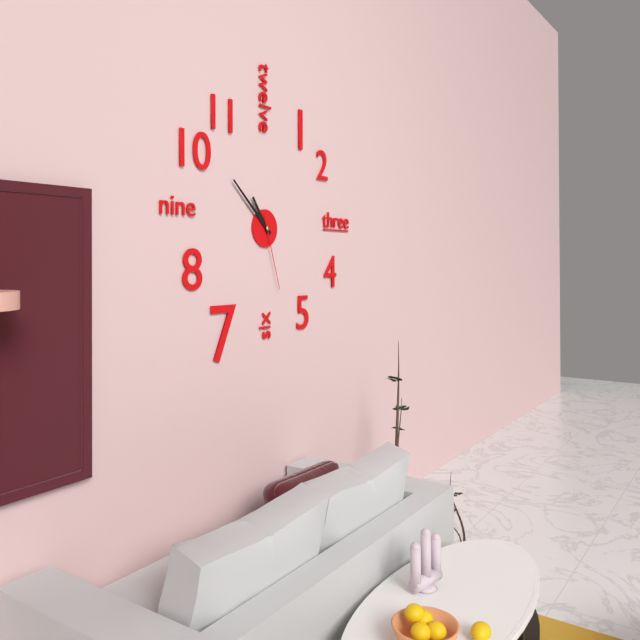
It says **10:52:27**
